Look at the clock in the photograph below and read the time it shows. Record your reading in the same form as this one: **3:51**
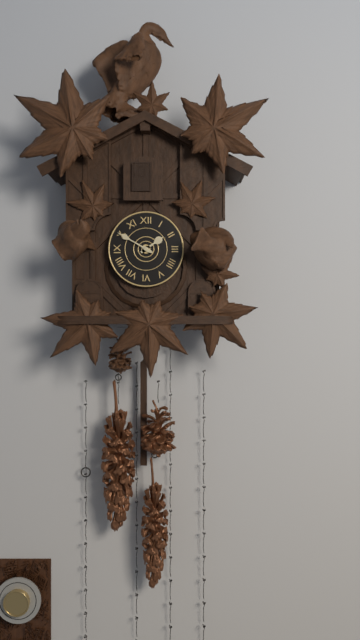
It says **1:50**
